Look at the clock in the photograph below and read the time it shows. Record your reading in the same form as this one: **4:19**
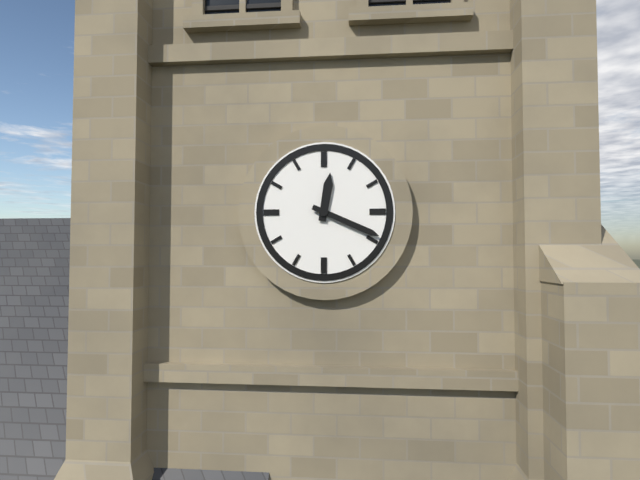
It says **12:19**
